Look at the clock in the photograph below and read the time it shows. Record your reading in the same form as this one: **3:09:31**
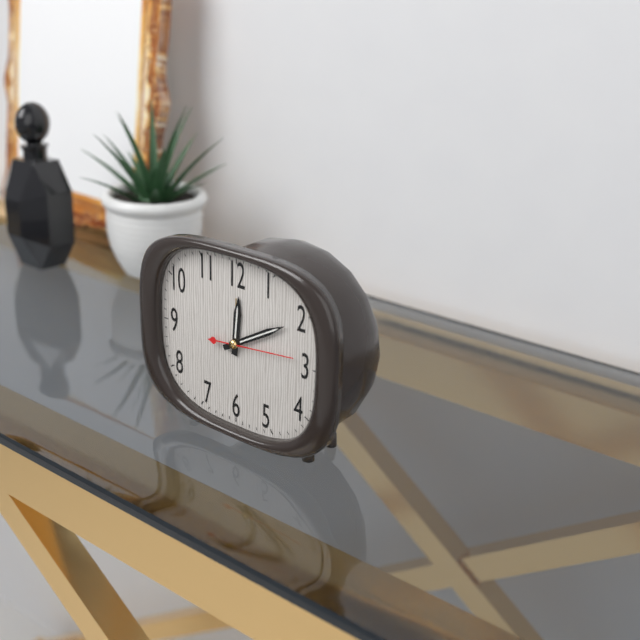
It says **12:10:14**
